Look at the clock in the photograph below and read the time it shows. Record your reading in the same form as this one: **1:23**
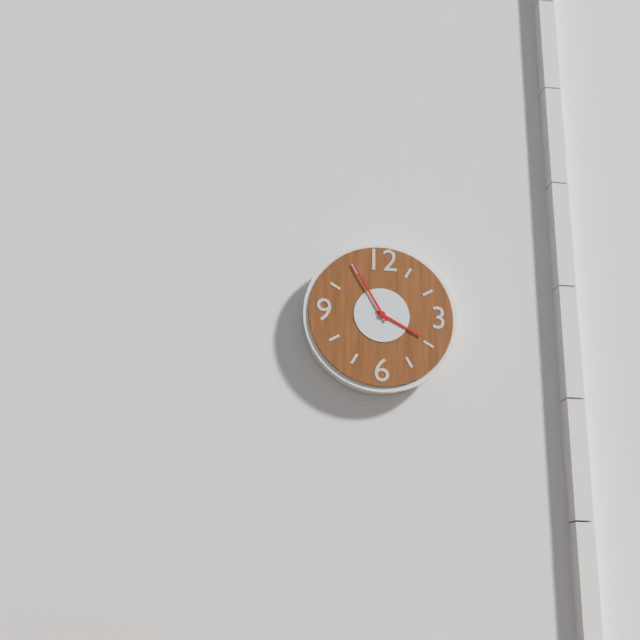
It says **3:55**
